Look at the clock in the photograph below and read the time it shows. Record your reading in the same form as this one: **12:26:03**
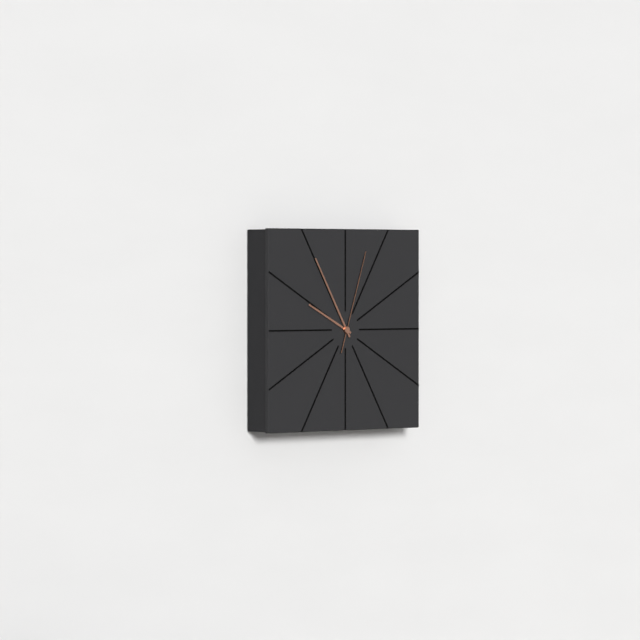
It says **9:55:03**
